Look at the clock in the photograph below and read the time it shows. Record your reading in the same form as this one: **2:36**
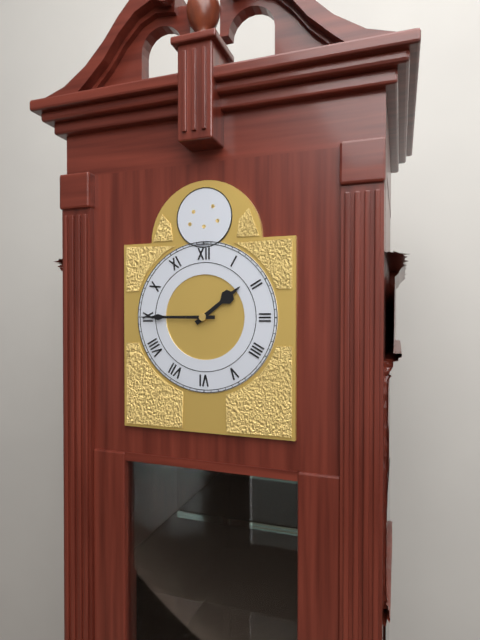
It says **1:45**
